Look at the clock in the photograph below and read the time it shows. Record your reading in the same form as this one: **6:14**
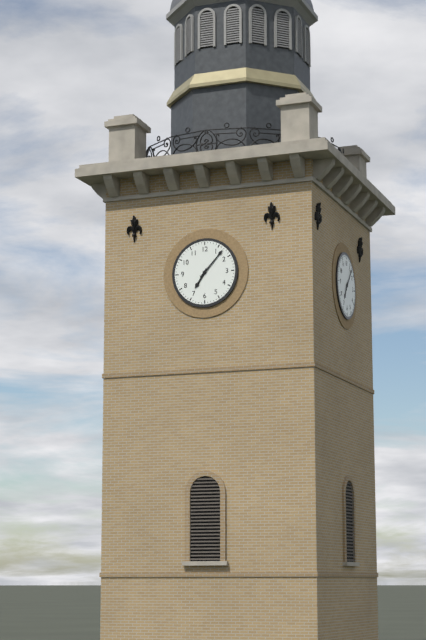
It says **7:07**
